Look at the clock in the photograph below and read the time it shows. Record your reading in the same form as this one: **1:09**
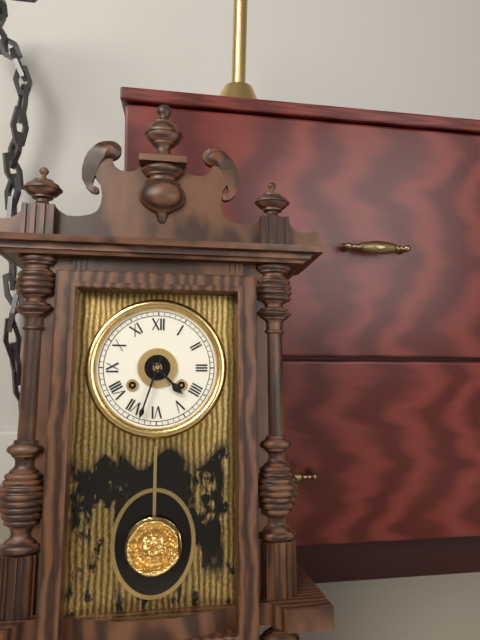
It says **4:33**
